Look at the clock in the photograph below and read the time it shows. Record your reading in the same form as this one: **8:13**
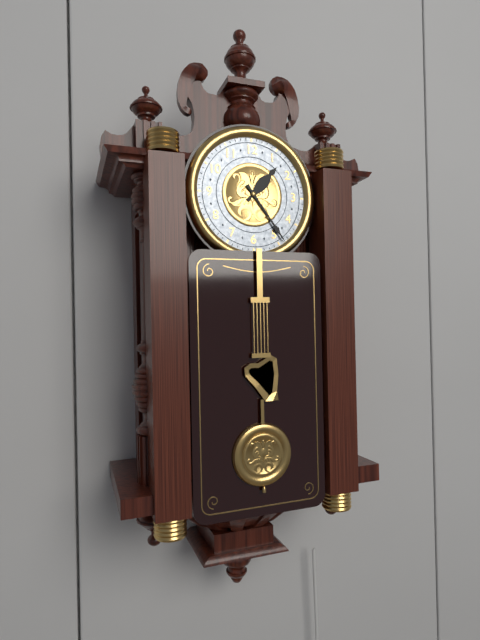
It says **1:24**
